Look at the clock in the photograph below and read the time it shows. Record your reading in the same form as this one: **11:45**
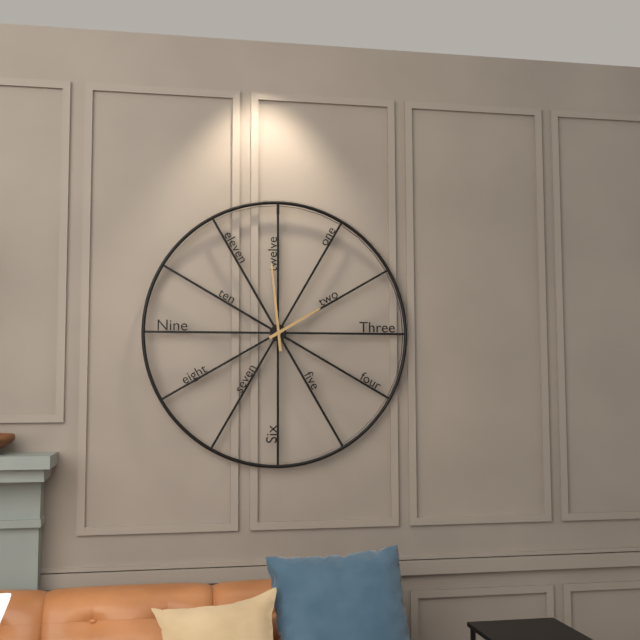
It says **1:59**
